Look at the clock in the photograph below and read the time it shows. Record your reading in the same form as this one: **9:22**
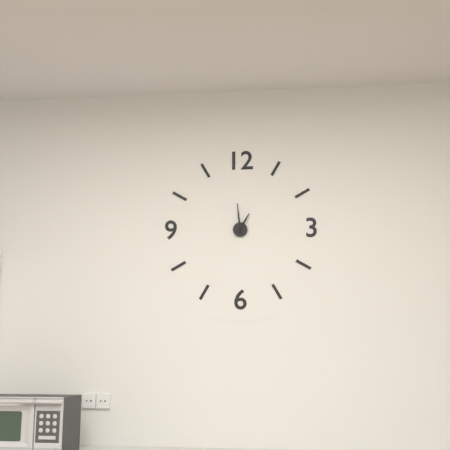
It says **12:59**
